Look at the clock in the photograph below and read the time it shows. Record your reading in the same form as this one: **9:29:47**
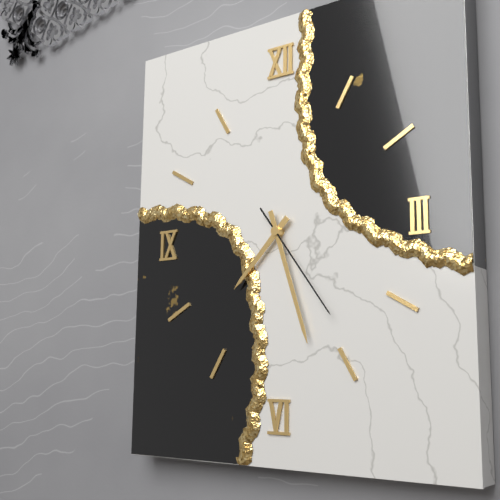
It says **7:27:24**
